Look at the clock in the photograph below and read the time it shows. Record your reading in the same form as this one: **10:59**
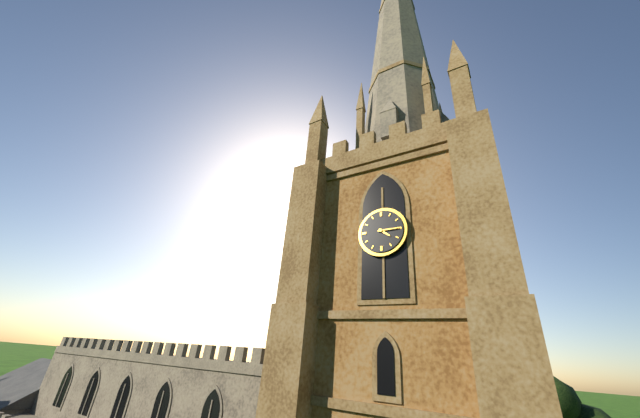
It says **4:15**
